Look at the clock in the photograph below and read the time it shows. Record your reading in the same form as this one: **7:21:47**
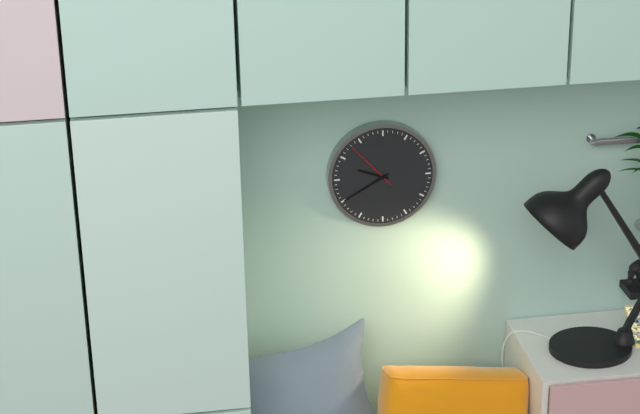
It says **9:40:53**
